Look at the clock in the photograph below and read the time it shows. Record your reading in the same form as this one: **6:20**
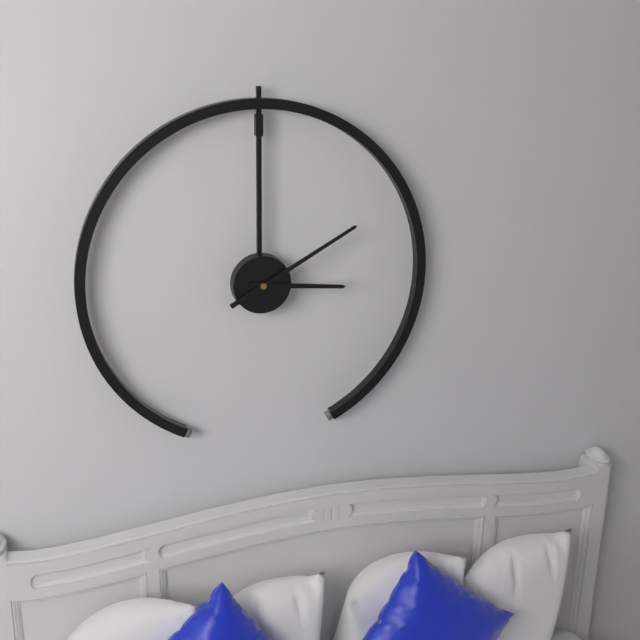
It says **3:10**
